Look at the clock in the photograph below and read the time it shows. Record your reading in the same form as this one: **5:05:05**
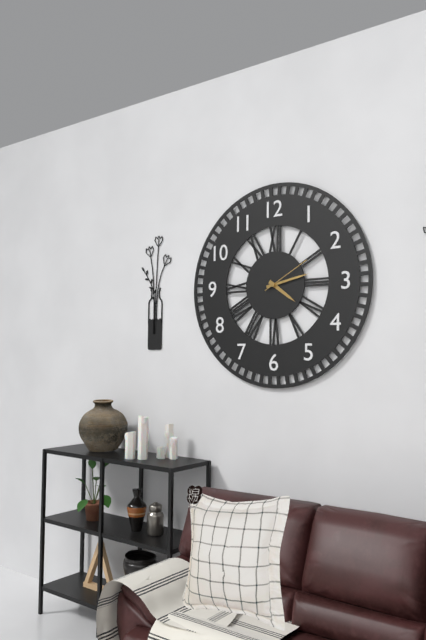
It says **4:13:10**
